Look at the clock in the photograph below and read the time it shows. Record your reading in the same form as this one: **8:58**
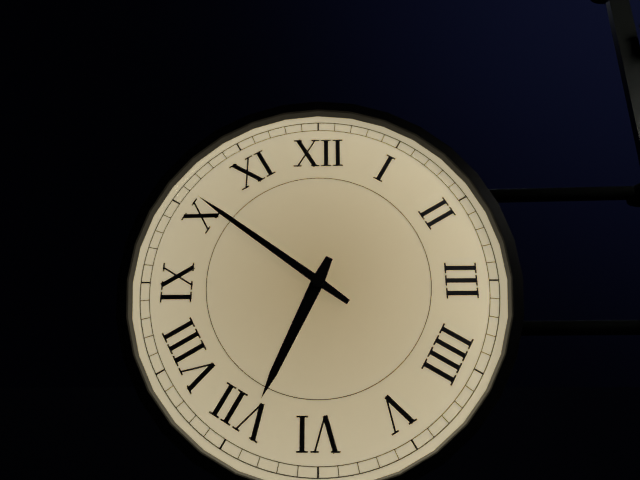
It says **6:51**
